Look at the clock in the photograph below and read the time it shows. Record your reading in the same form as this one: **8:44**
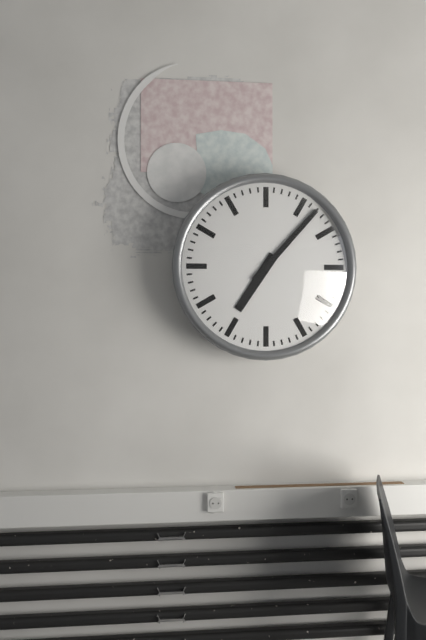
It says **7:07**
